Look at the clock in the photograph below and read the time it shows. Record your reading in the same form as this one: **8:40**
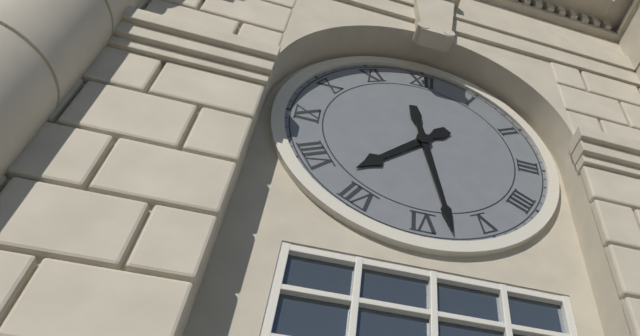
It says **7:28**
